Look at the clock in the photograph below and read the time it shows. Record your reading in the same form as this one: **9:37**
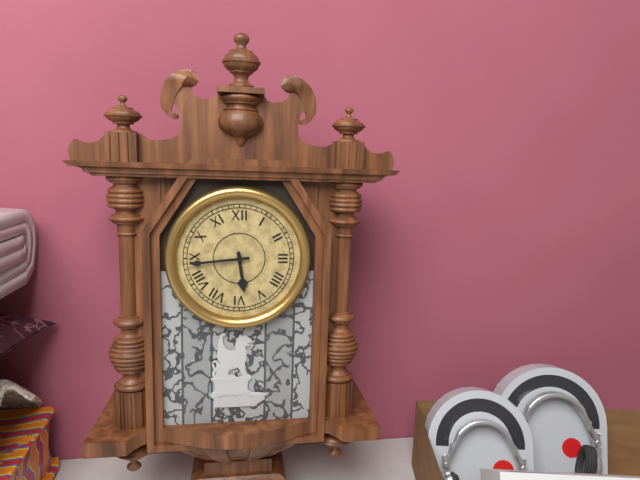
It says **5:44**
